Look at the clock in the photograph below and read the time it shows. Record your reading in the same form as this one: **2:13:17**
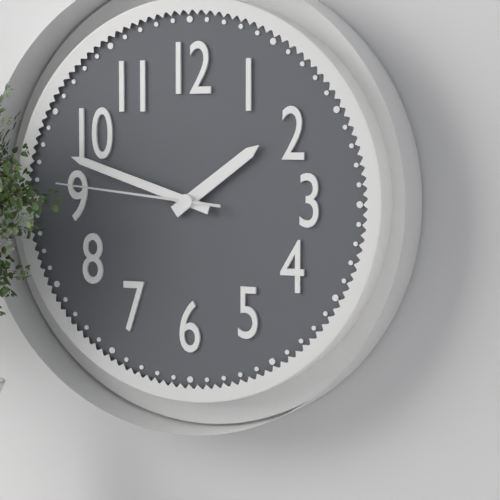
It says **1:48:46**
